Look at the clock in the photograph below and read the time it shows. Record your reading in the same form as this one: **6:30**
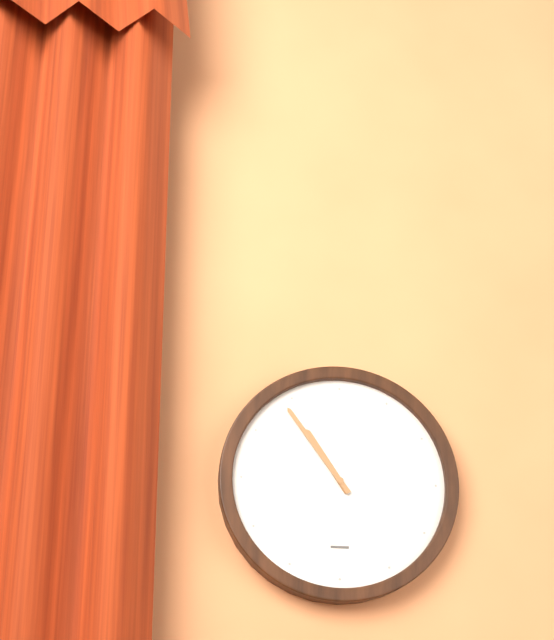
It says **10:54**
